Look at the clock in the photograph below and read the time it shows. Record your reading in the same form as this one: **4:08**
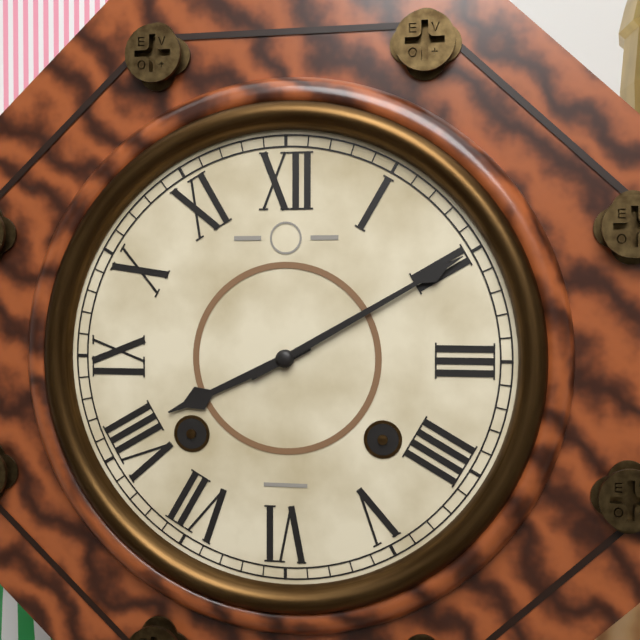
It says **8:10**
